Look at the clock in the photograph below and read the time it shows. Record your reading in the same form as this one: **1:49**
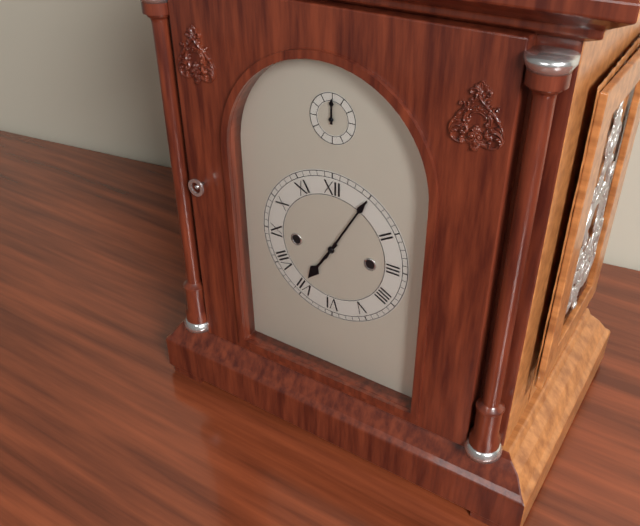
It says **7:05**
